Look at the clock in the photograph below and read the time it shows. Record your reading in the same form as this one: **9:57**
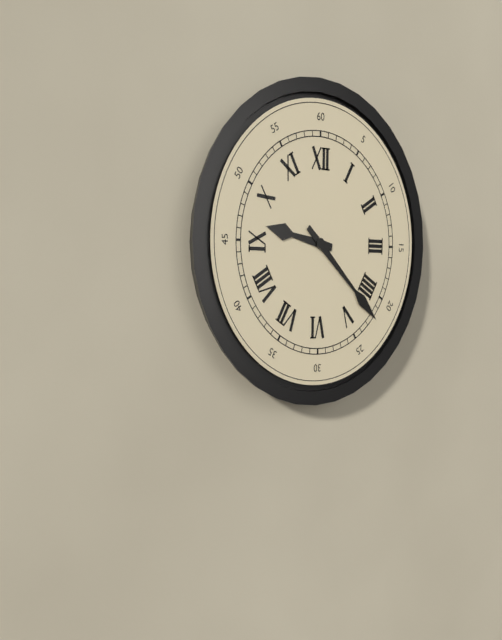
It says **9:22**
